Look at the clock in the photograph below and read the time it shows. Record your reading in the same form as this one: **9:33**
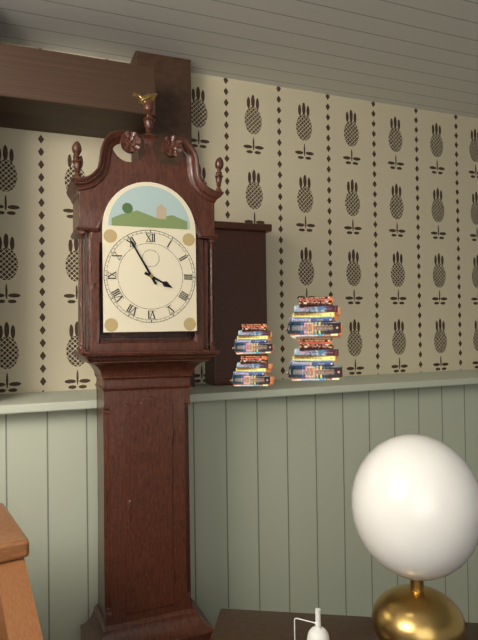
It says **3:55**
